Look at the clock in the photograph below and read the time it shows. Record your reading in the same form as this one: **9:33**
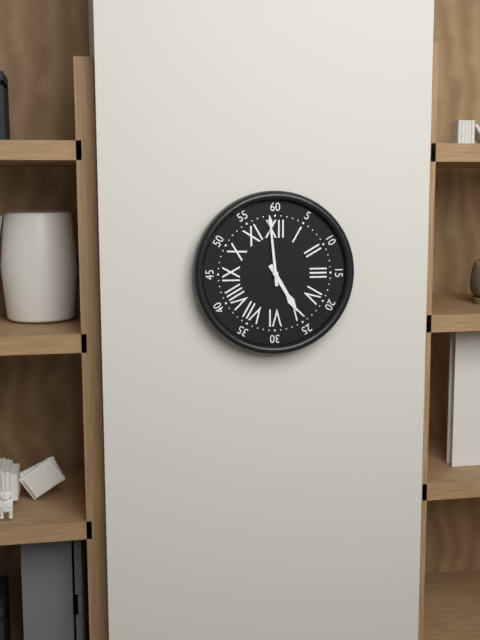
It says **4:59**
